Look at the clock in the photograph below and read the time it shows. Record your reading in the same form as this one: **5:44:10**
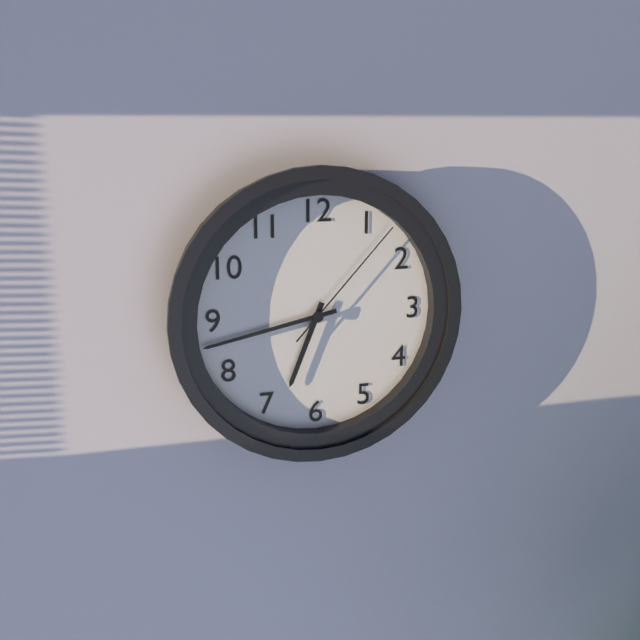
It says **6:43:07**
